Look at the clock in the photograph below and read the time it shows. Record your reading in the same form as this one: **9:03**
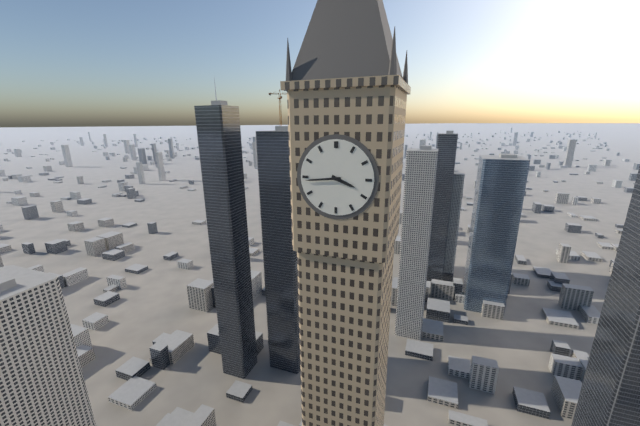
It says **3:44**
